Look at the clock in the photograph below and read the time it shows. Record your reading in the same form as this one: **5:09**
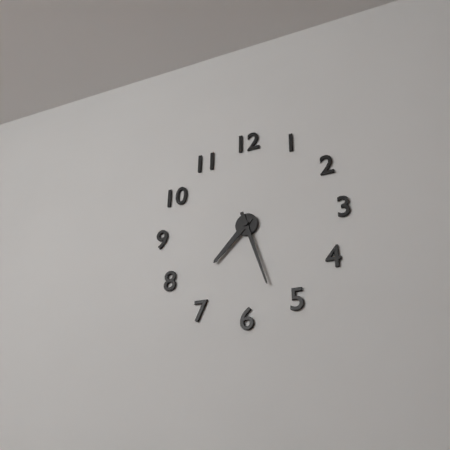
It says **7:27**
